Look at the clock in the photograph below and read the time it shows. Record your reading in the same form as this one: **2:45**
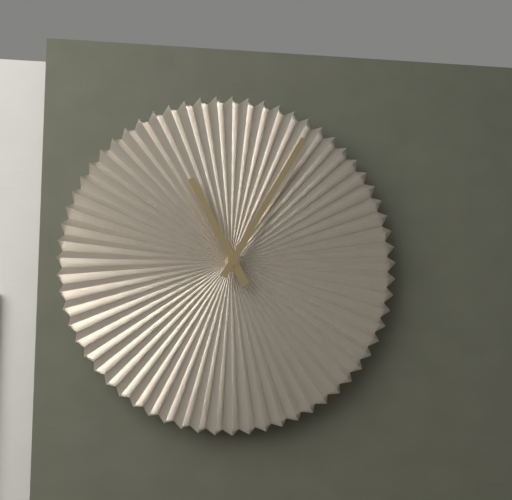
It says **11:05**
